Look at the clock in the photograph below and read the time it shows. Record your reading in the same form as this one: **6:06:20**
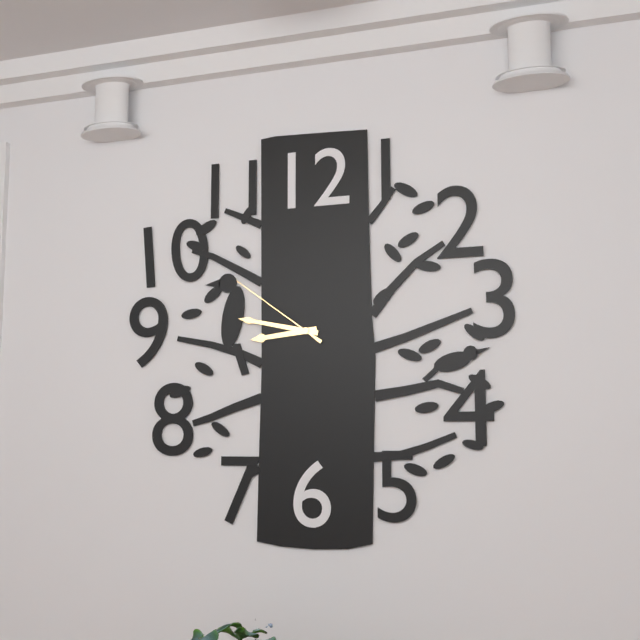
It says **8:47:51**
